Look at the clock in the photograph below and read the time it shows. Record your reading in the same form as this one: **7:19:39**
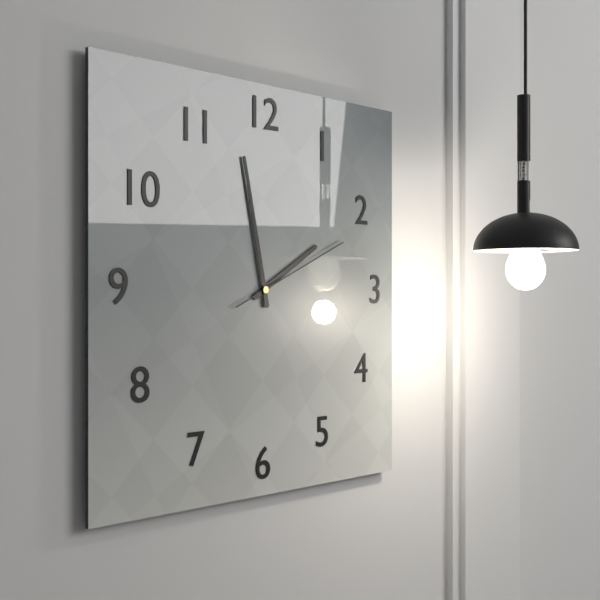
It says **1:58:11**
